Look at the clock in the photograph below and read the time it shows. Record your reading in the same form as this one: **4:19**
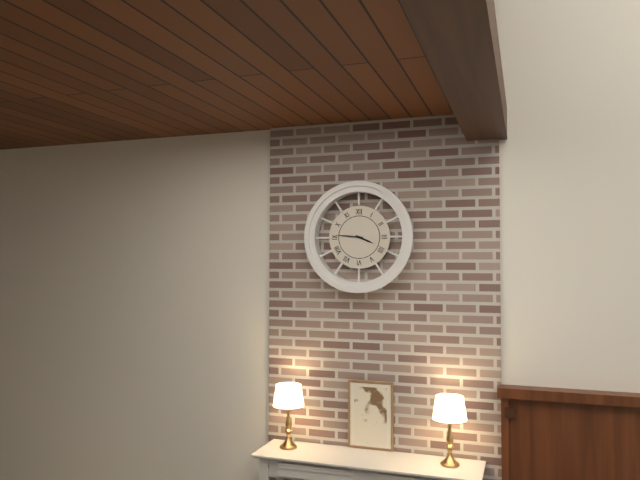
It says **3:46**
